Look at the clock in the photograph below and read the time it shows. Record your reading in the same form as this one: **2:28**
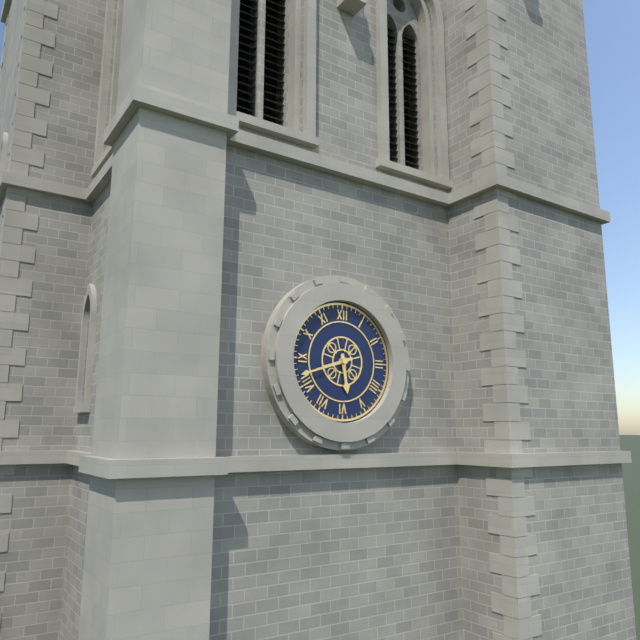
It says **5:42**
